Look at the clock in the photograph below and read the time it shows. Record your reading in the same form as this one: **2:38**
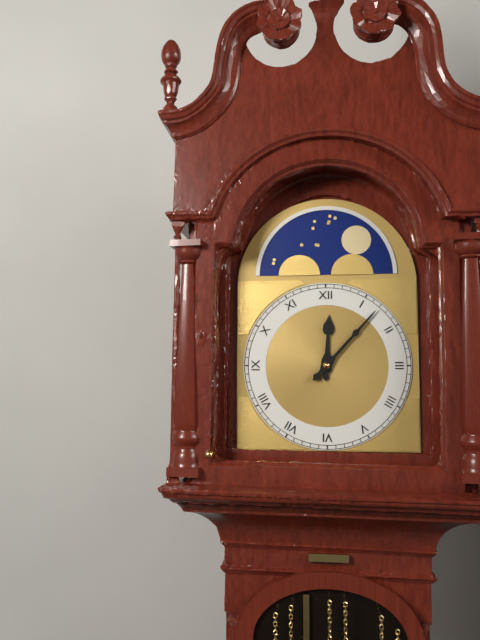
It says **12:07**
